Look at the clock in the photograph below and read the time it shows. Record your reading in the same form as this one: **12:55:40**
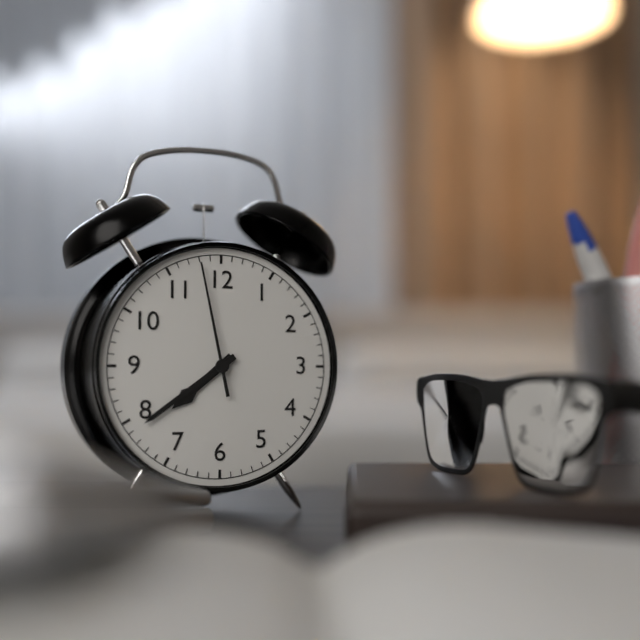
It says **7:39:58**
